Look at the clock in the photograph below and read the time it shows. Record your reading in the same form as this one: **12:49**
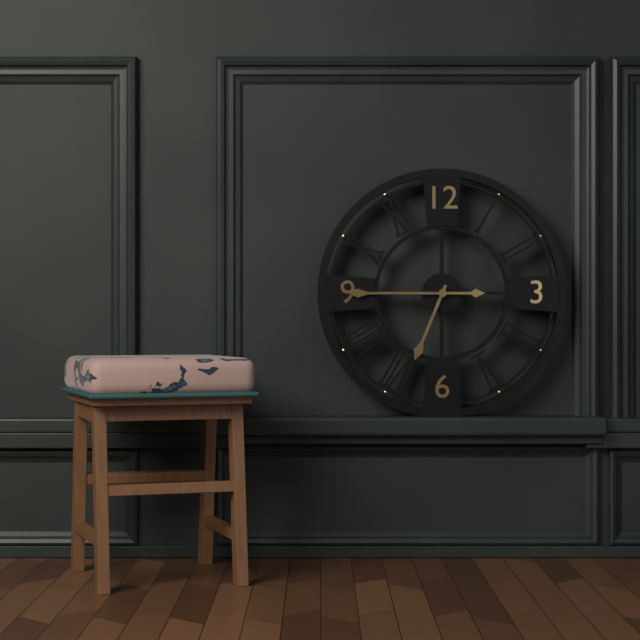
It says **6:45**
